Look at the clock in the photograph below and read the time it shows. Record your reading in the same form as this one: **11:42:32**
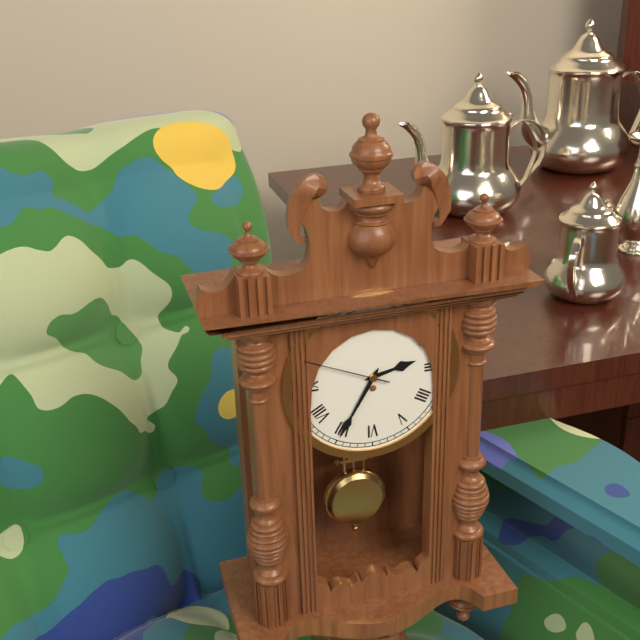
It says **2:35:49**
